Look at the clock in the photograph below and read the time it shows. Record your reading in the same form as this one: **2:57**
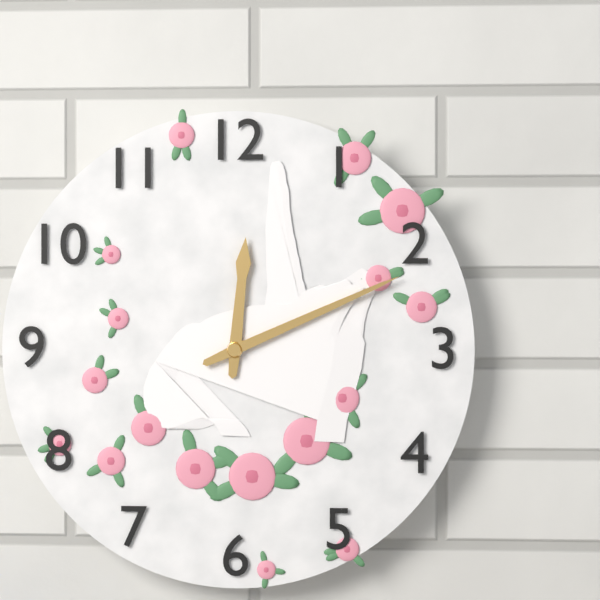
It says **12:11**
